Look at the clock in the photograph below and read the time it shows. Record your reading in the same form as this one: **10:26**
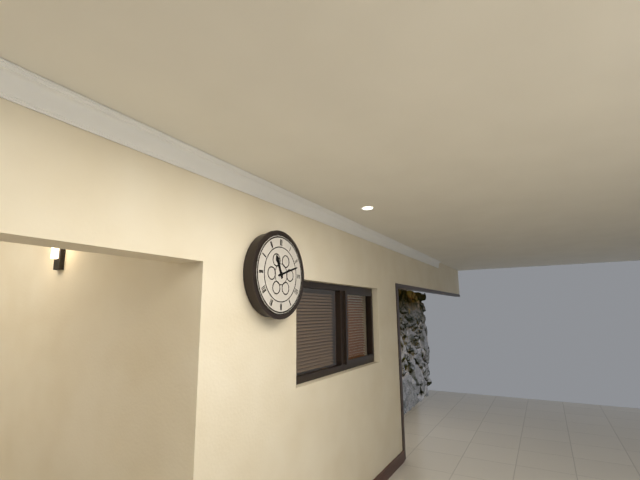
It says **11:12**
